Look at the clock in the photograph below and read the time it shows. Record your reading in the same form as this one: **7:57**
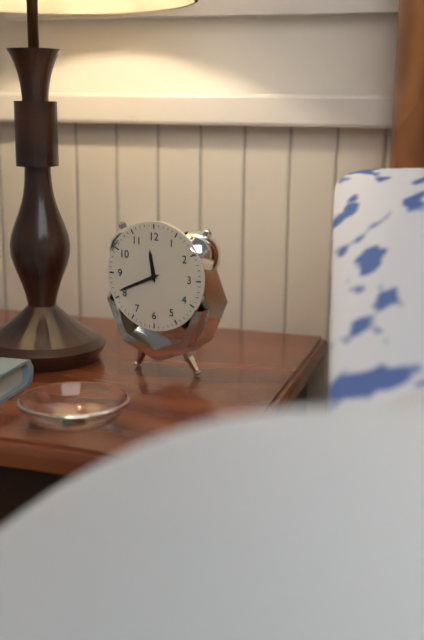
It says **11:41**
